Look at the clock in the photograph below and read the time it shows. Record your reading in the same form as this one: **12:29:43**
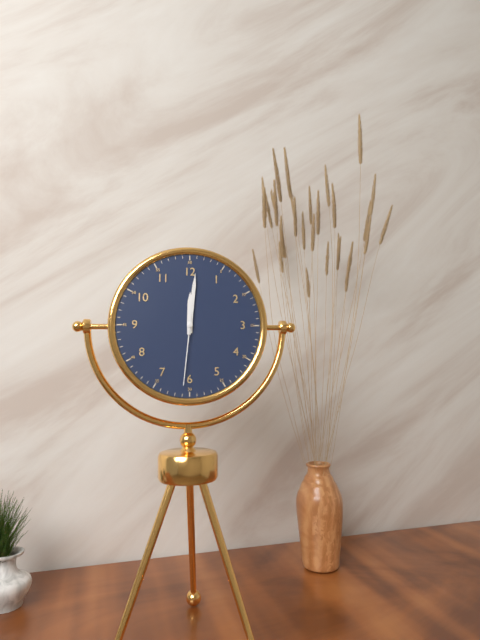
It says **12:01:31**
